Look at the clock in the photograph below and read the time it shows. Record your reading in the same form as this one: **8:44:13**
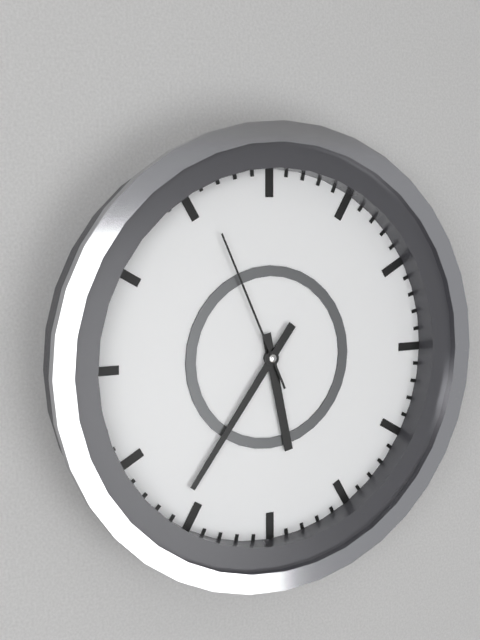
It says **5:36:56**
